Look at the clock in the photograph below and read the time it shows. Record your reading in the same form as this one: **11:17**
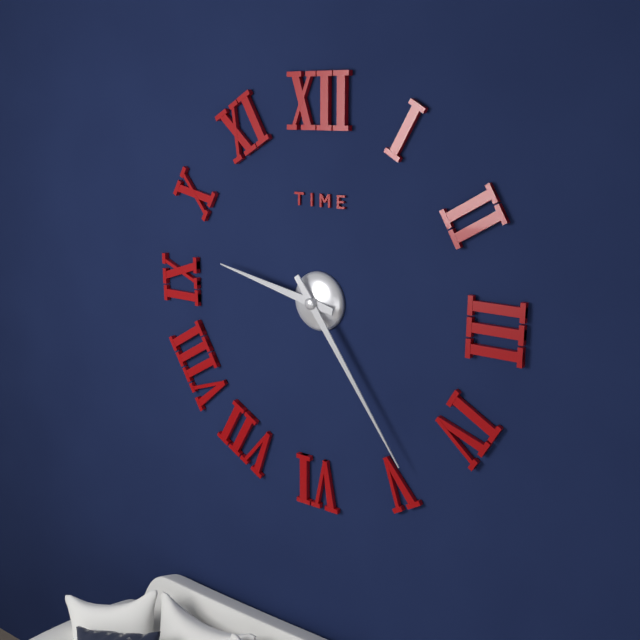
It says **9:24**
